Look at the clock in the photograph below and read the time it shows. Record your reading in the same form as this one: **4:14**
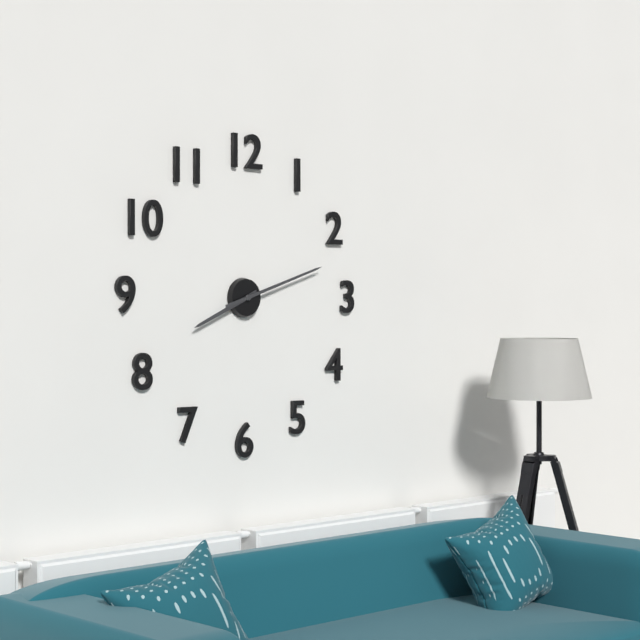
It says **8:12**
